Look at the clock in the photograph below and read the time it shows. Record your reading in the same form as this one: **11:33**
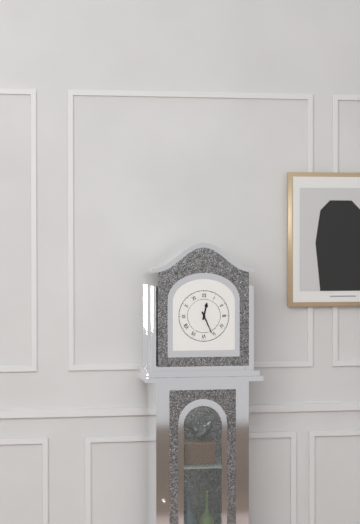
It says **12:26**
